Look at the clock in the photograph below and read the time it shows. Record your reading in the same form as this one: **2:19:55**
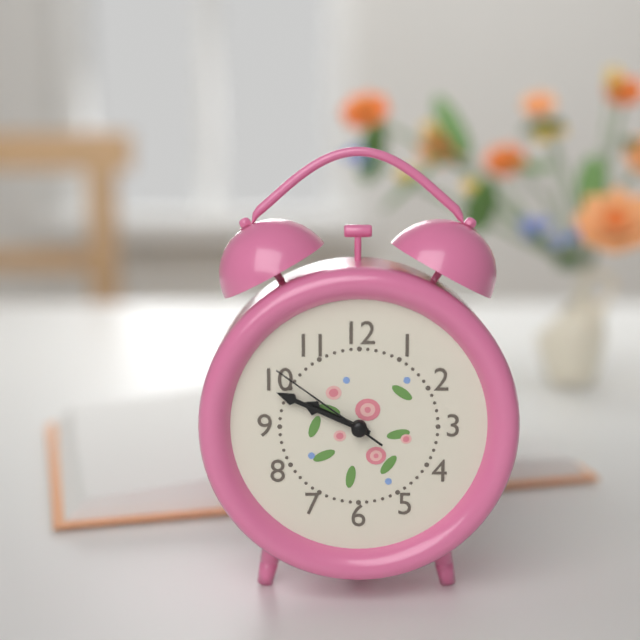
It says **9:49:51**
